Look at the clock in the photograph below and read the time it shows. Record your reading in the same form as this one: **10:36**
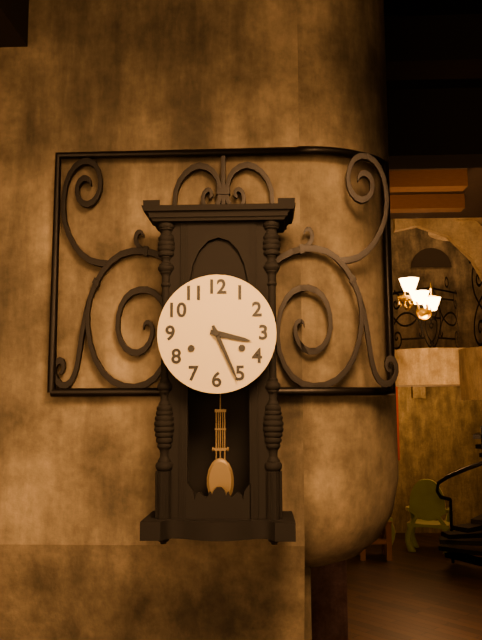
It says **3:26**
